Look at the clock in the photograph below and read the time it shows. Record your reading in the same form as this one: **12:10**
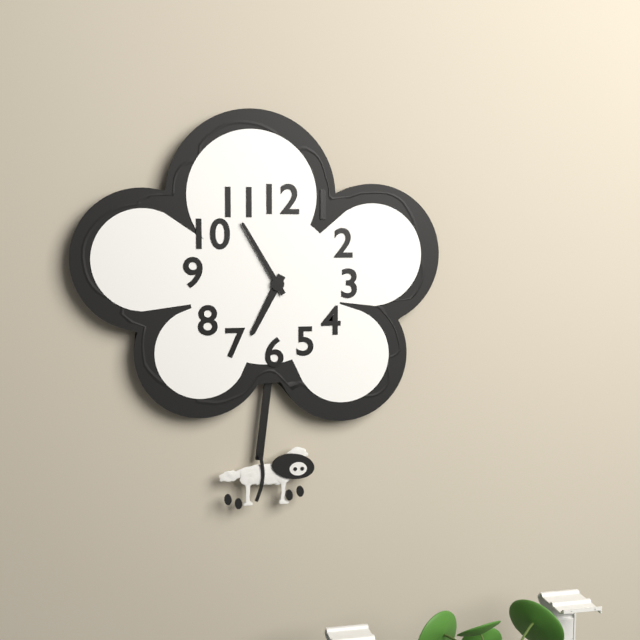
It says **6:55**
